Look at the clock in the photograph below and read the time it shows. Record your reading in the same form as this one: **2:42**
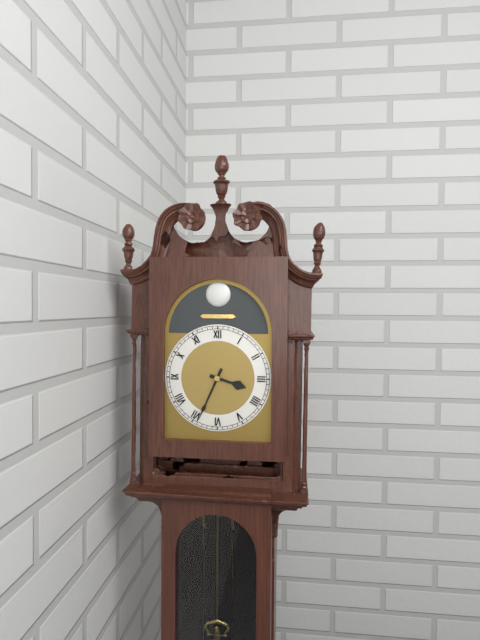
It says **3:34**
